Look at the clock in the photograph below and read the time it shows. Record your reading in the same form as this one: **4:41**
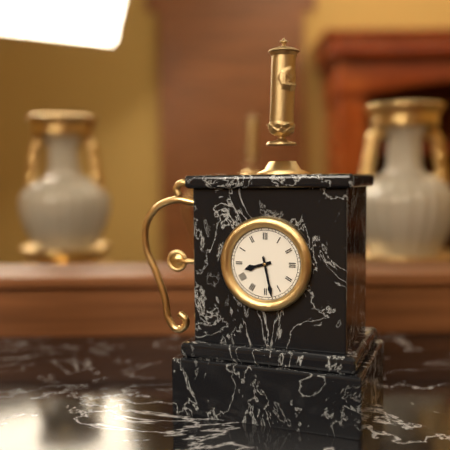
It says **8:28**
